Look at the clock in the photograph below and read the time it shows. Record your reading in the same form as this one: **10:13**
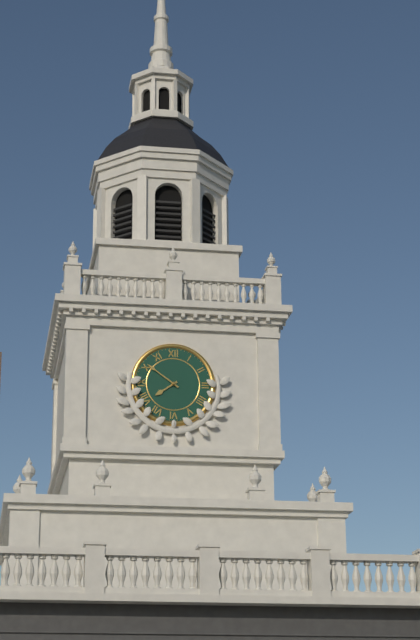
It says **7:51**
